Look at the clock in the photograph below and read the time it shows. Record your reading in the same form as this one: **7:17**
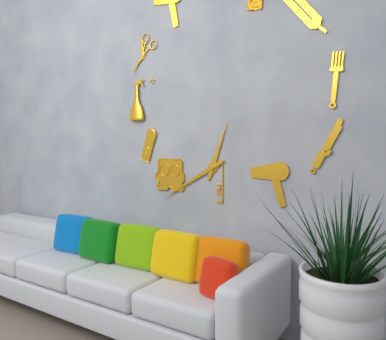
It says **12:40**
